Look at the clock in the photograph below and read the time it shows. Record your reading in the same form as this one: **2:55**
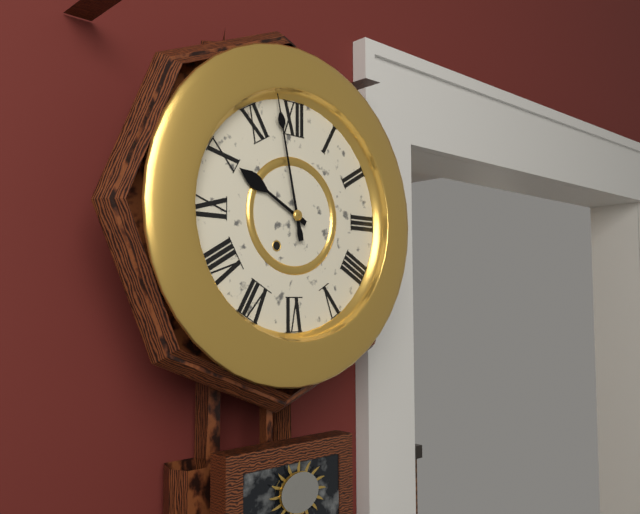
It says **9:58**
